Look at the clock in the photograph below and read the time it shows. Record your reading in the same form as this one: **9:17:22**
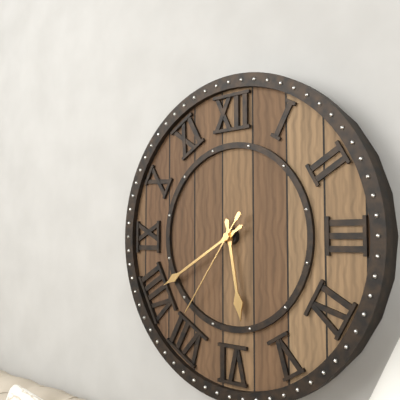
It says **5:40:36**
